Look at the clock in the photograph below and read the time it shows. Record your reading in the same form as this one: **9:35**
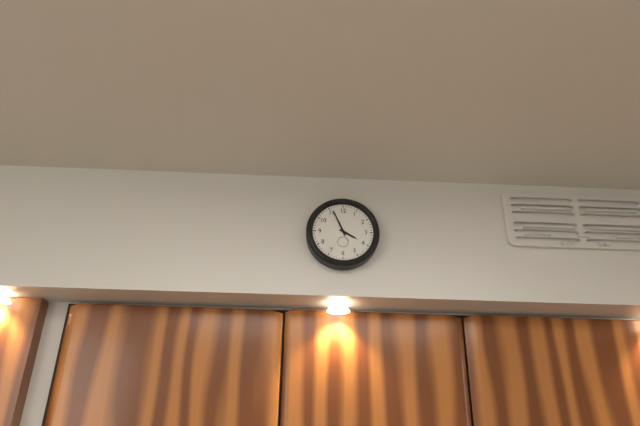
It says **3:56**
